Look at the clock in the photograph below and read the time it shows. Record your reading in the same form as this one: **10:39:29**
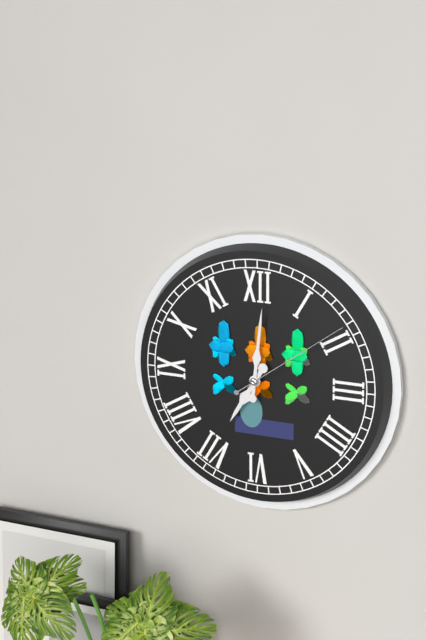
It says **7:01:09**
